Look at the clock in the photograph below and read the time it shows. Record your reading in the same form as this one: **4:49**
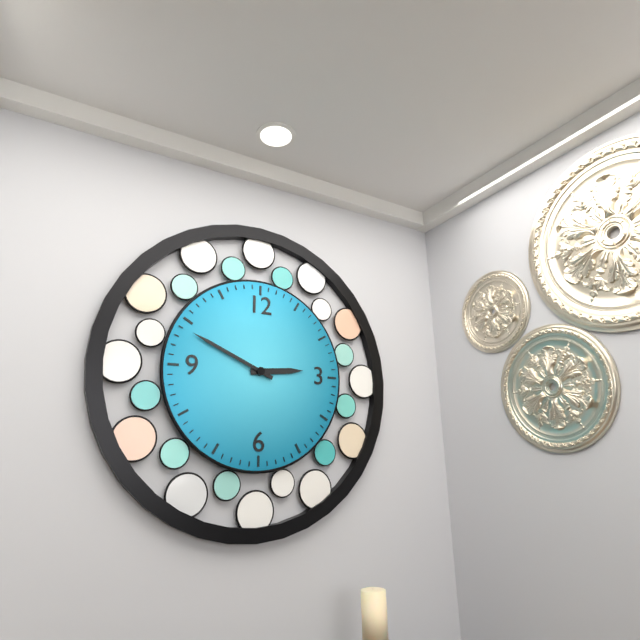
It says **2:49**
